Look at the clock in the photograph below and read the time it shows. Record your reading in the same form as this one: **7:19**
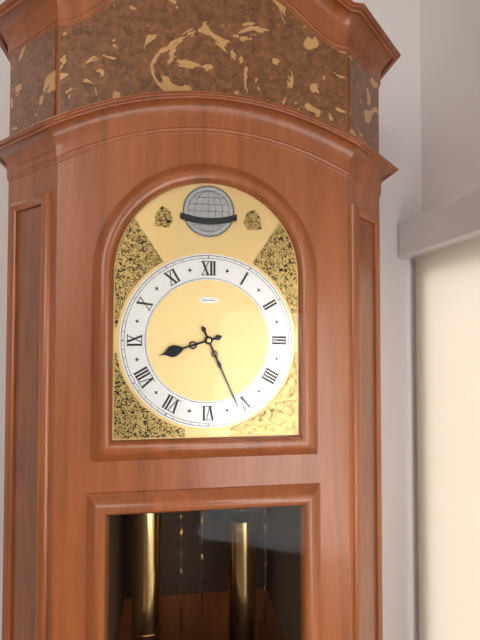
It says **8:26**
